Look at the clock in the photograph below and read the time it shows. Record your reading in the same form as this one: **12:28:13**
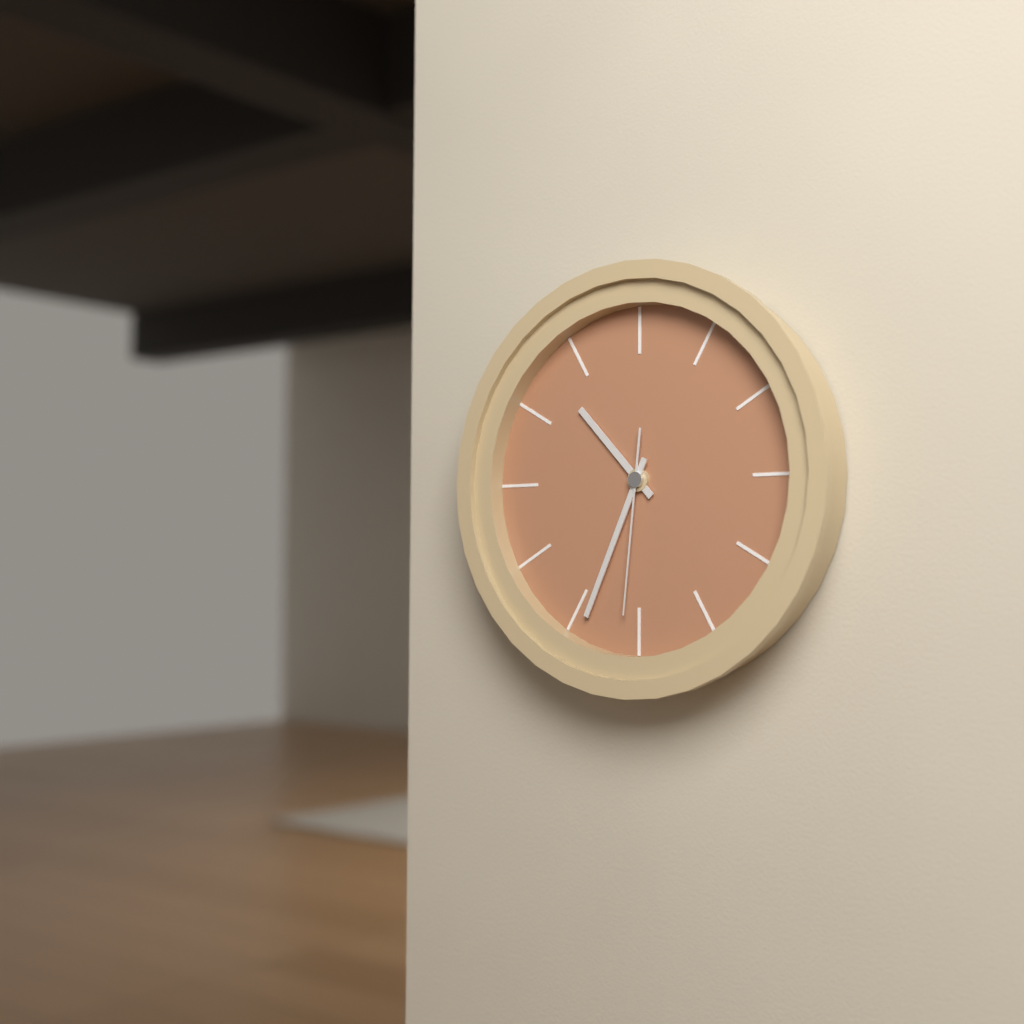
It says **10:34:31**
